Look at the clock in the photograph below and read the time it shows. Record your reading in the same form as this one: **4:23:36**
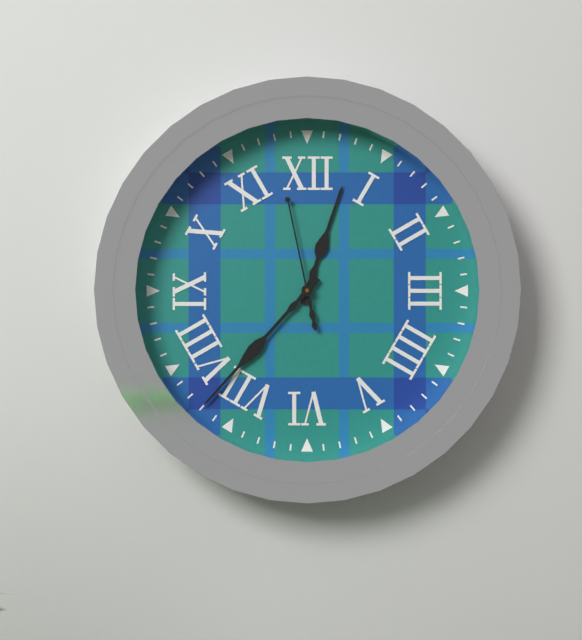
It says **12:37:58**
